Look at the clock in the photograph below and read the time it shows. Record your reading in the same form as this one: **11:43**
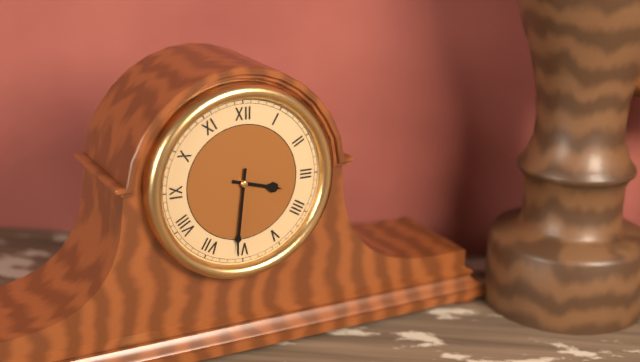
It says **3:31**
